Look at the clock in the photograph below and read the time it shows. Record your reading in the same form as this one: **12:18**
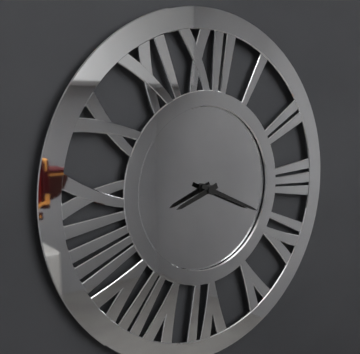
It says **8:19**
